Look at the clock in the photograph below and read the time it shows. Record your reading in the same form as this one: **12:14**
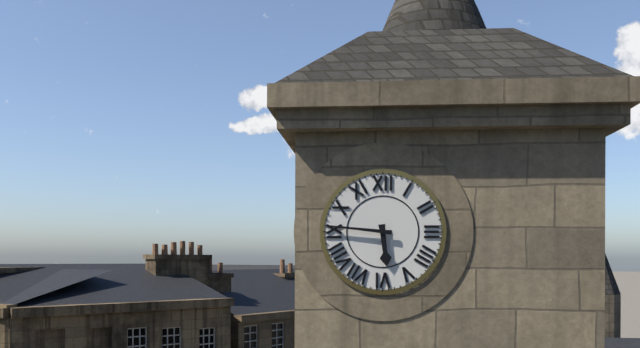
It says **5:46**
